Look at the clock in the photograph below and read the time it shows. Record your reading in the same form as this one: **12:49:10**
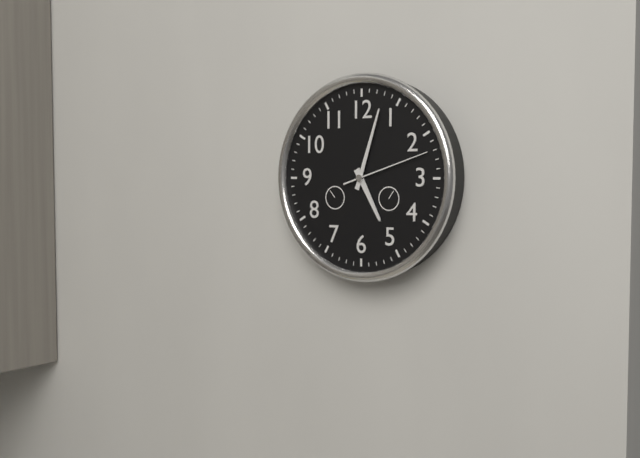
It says **5:03:12**
